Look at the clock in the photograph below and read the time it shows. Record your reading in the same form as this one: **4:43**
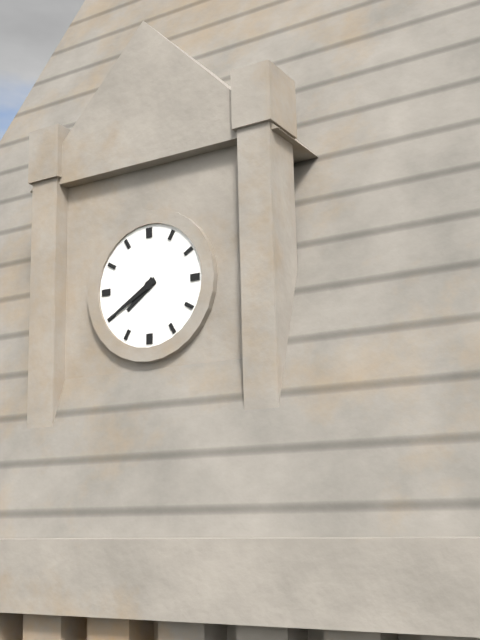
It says **7:40**
